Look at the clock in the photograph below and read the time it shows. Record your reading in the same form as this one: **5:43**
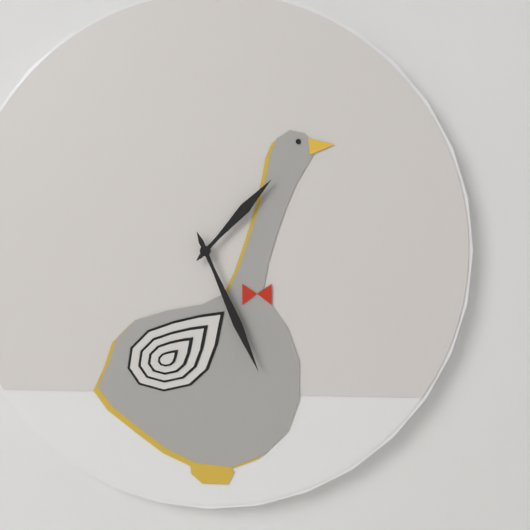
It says **1:26**
